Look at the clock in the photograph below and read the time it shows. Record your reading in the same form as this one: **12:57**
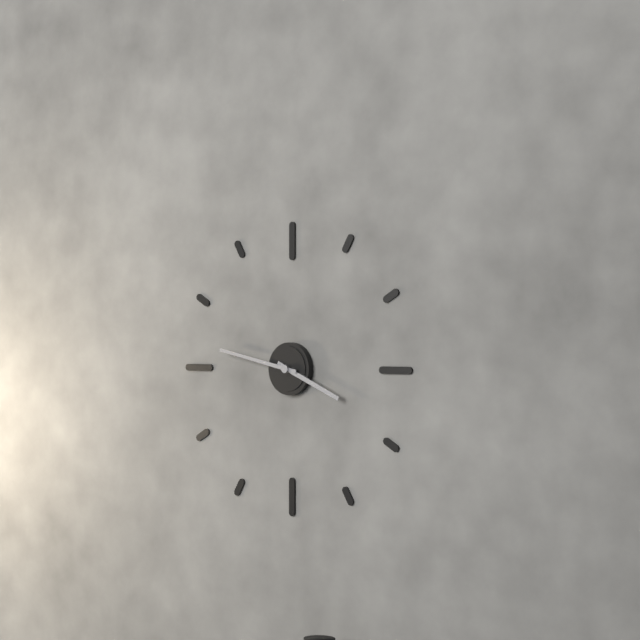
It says **3:47**
